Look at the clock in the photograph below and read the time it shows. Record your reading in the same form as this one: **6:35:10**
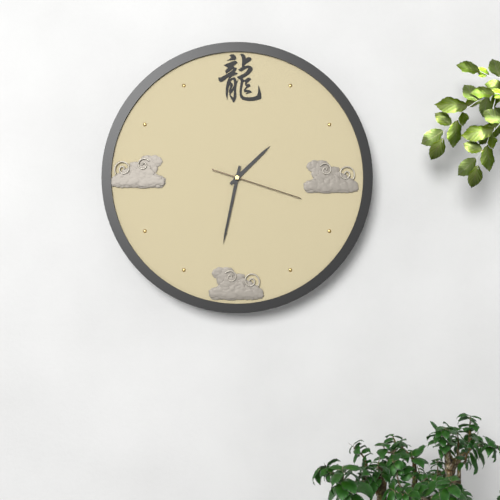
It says **1:32:18**
